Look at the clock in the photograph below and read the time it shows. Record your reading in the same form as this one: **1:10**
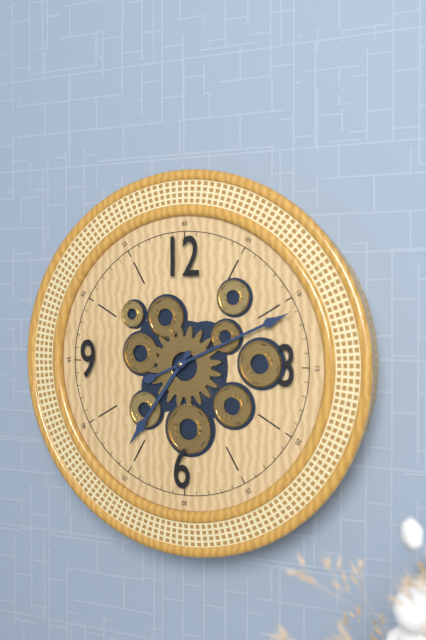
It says **7:11**
